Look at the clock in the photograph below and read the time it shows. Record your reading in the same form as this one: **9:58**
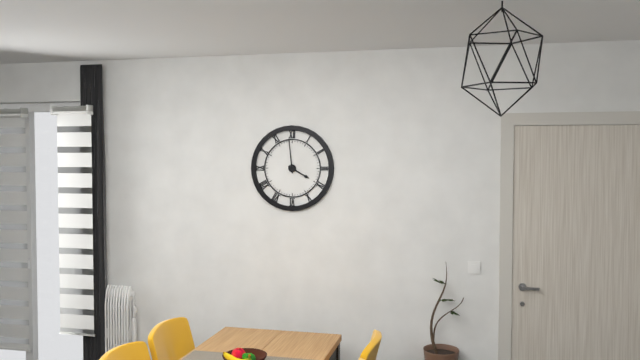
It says **3:59**
